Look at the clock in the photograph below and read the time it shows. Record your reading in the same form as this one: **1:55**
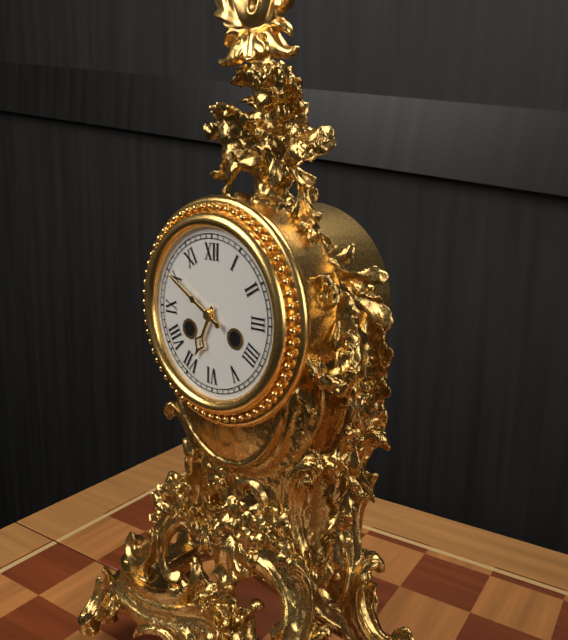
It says **6:50**
